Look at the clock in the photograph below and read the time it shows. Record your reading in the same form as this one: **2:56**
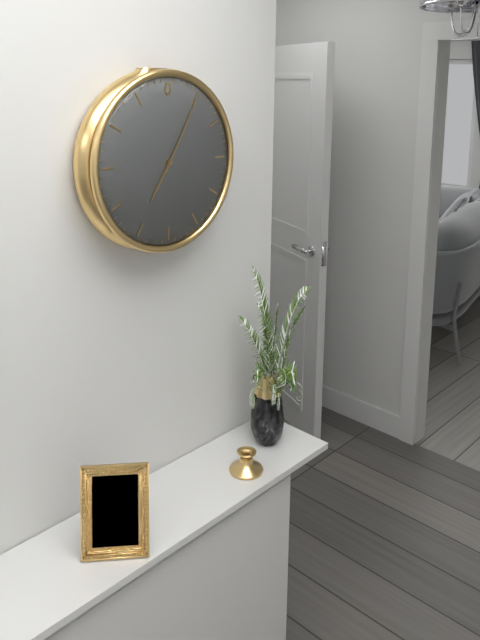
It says **7:05**
